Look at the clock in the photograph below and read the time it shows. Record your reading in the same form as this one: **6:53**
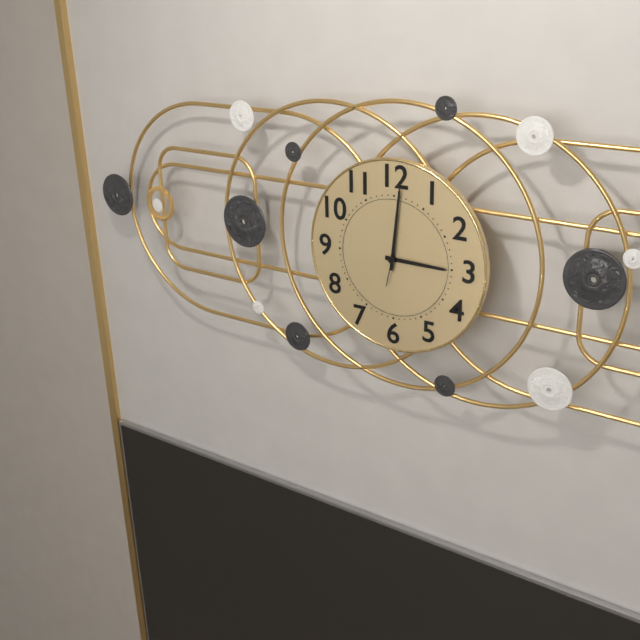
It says **3:01**
